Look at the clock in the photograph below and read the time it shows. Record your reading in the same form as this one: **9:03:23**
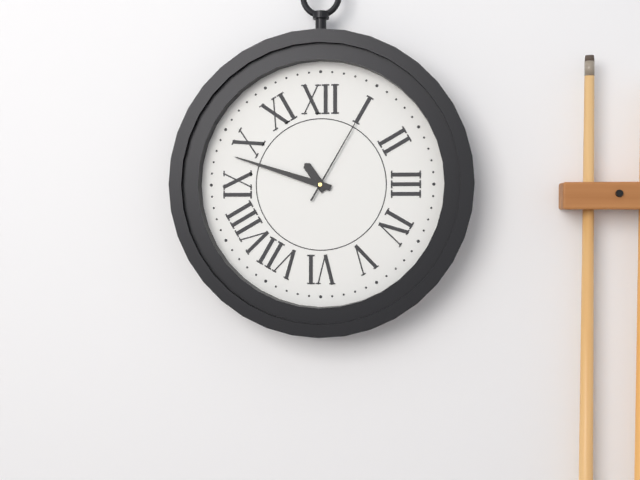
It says **10:48:05**
